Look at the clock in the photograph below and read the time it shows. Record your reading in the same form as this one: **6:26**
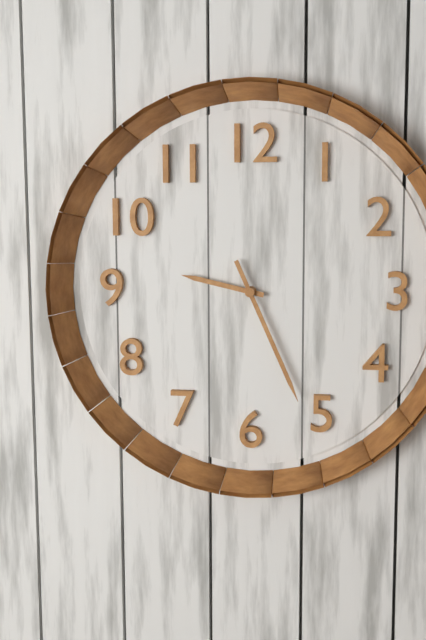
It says **9:26**
